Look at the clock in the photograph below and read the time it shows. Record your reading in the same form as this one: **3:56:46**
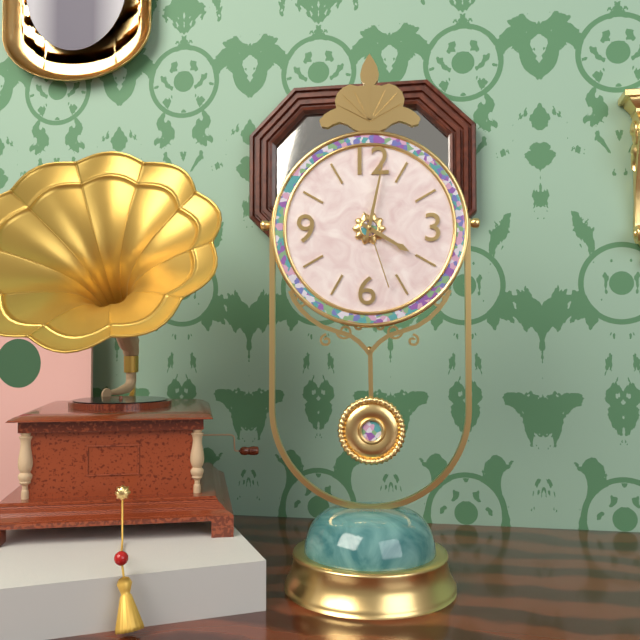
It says **4:02:27**
